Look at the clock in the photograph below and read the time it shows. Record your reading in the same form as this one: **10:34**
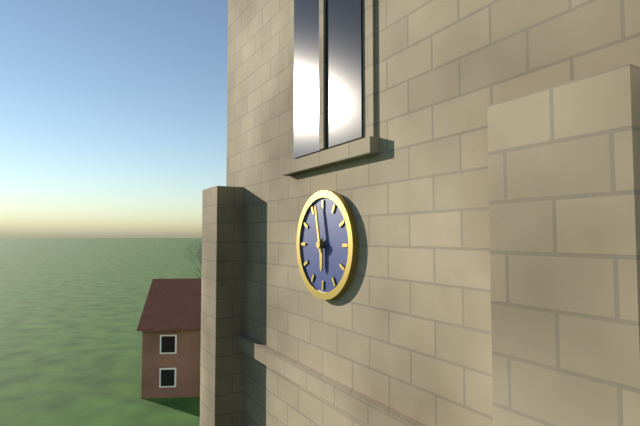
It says **5:58**
